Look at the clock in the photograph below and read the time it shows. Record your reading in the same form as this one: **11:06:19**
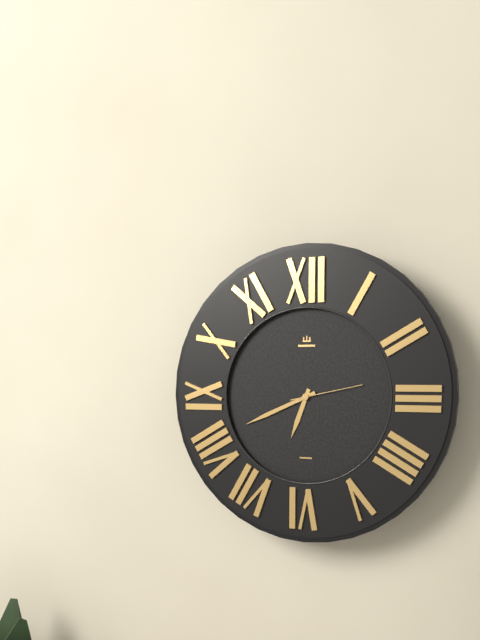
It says **6:41:13**
